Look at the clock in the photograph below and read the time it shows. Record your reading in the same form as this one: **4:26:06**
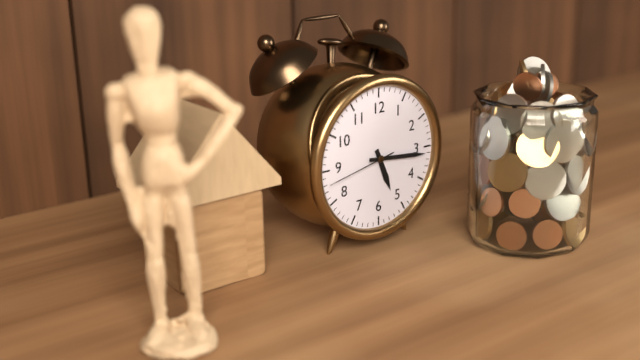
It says **5:16:43**
